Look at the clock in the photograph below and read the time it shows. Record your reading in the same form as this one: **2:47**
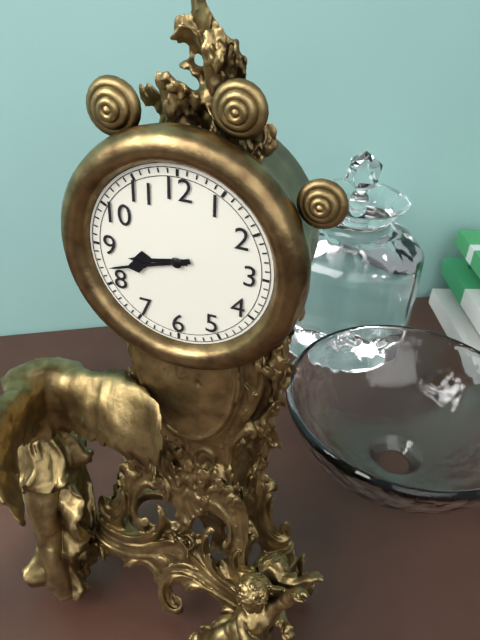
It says **8:42**
